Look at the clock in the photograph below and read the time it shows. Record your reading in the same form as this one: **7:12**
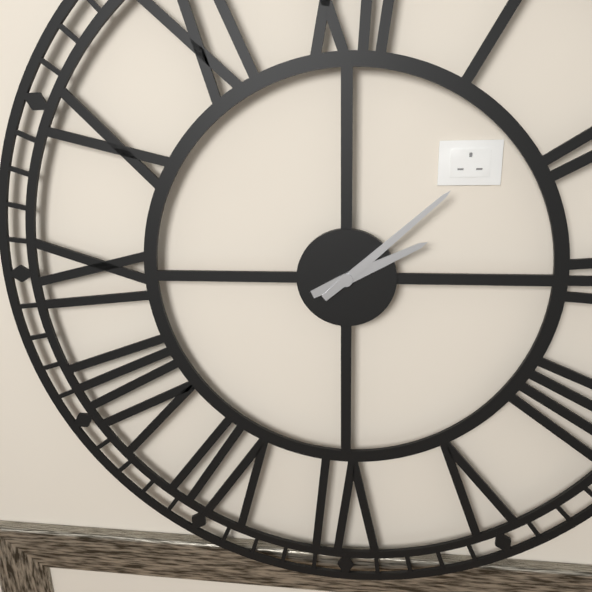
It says **2:08**
